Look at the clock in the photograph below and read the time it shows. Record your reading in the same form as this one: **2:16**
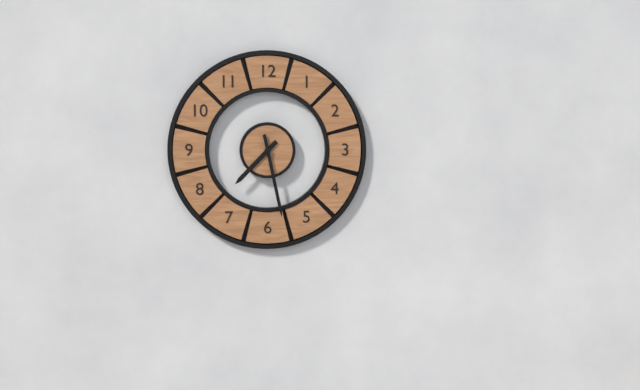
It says **7:28**
